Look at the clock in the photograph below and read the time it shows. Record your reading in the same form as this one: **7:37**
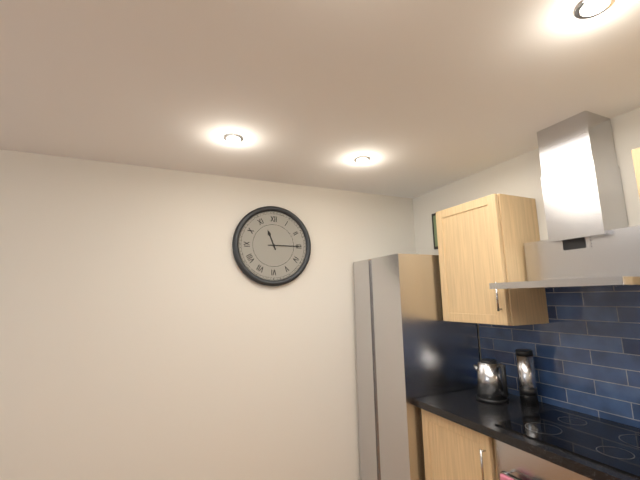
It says **11:15**
